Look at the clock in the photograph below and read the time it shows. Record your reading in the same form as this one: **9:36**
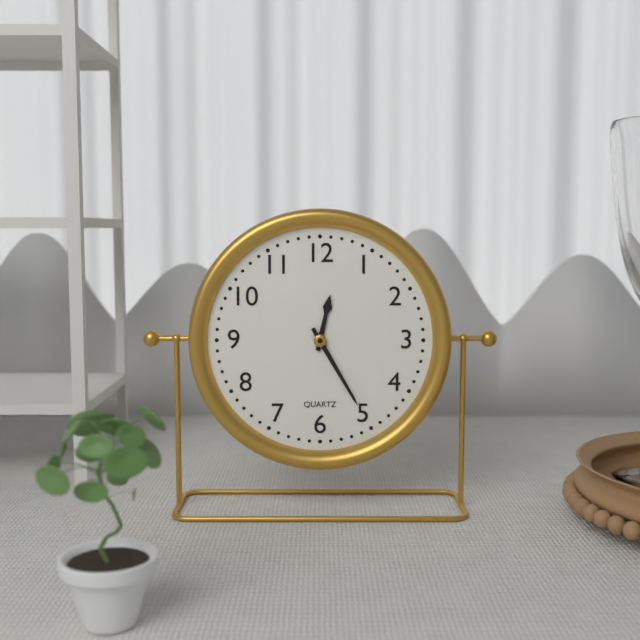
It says **12:25**
